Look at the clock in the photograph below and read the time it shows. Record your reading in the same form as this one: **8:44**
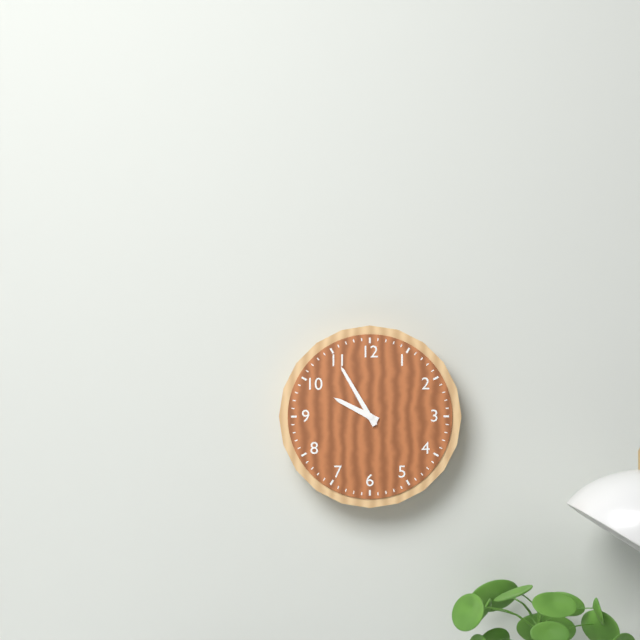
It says **9:55**
